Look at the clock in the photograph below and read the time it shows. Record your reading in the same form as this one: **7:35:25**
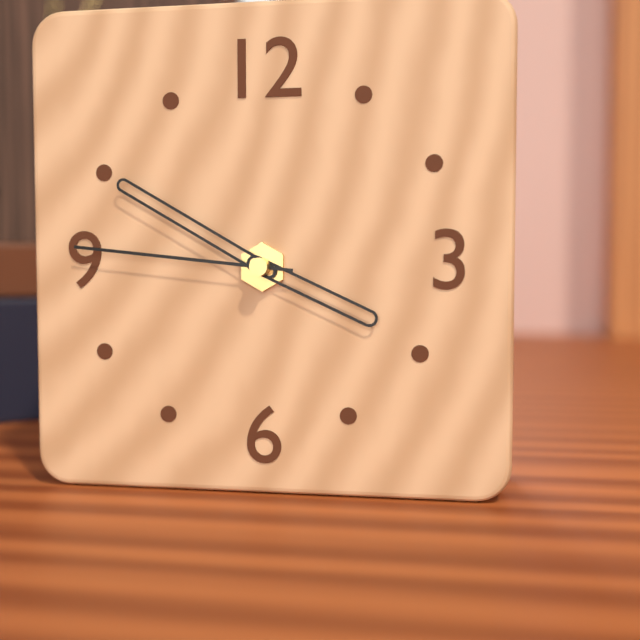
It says **3:50:46**
